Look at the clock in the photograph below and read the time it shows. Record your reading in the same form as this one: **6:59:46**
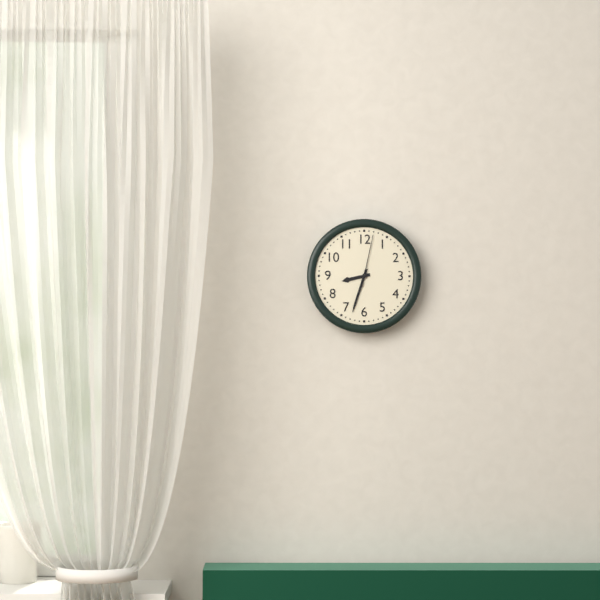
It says **8:33:02**
